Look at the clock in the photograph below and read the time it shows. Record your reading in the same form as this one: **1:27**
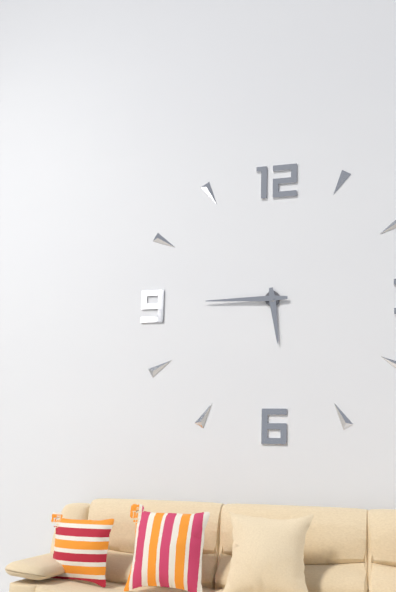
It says **5:45**
